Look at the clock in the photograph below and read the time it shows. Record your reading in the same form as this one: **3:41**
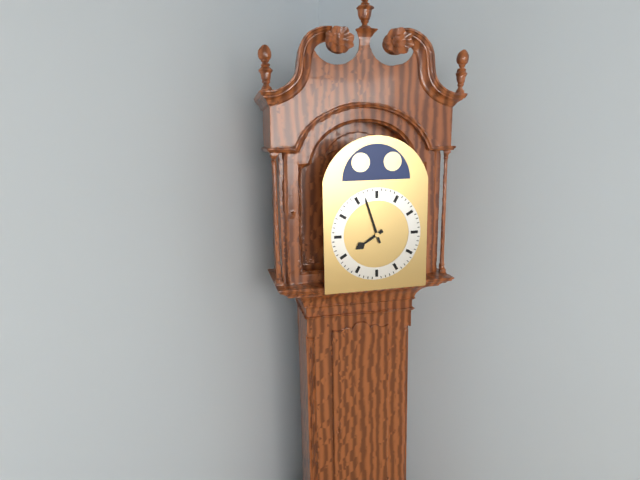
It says **7:57**
